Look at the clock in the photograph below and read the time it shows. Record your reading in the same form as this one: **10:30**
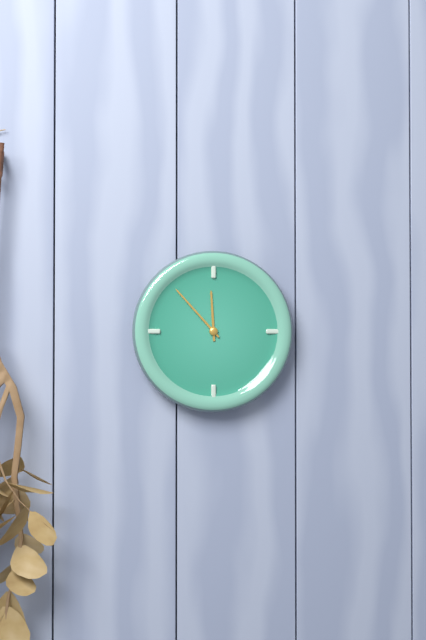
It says **11:53**
